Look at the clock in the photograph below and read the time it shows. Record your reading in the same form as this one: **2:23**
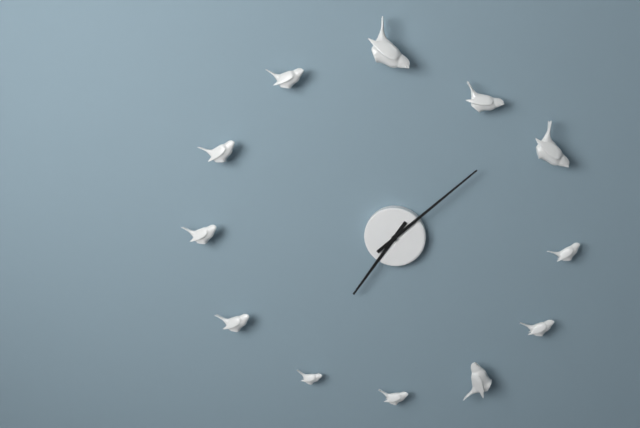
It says **7:08**
